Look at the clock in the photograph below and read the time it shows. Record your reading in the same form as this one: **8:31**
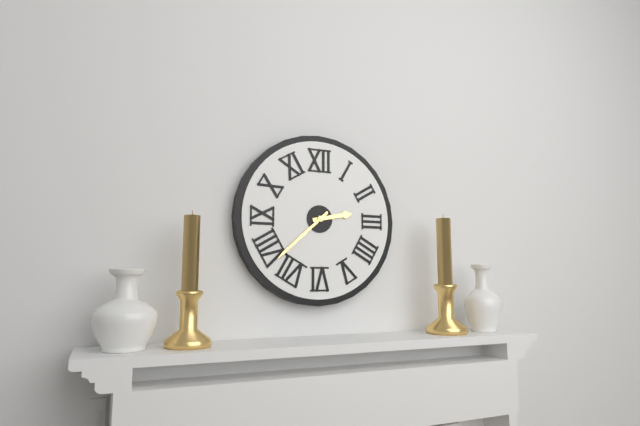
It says **2:38**
